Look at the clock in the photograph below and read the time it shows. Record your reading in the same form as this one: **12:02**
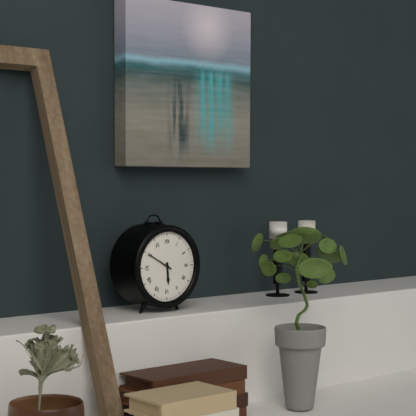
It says **5:50**
